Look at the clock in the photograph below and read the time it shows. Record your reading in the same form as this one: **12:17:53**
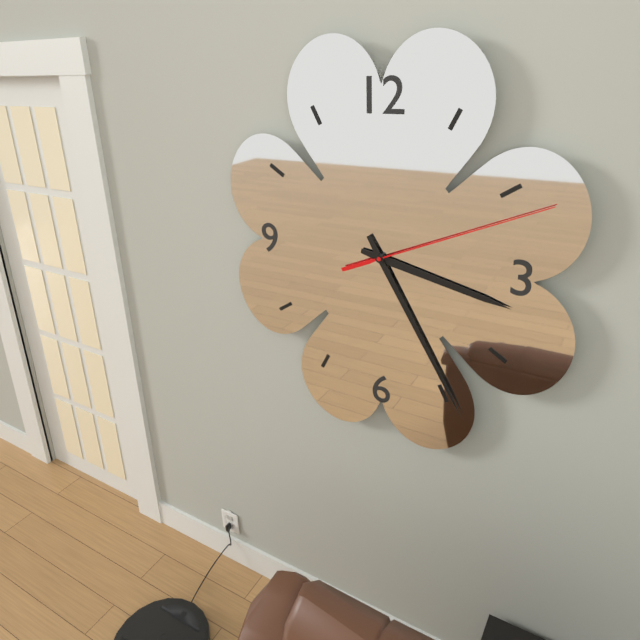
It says **3:25:11**
